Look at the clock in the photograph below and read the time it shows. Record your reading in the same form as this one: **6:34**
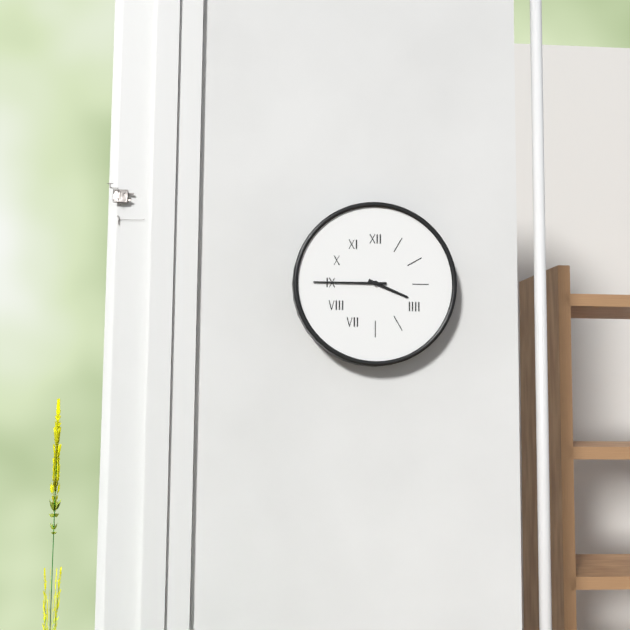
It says **3:45**
